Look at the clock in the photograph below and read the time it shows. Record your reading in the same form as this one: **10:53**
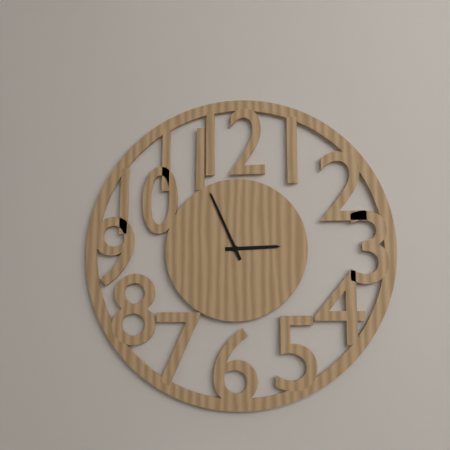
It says **2:56**
